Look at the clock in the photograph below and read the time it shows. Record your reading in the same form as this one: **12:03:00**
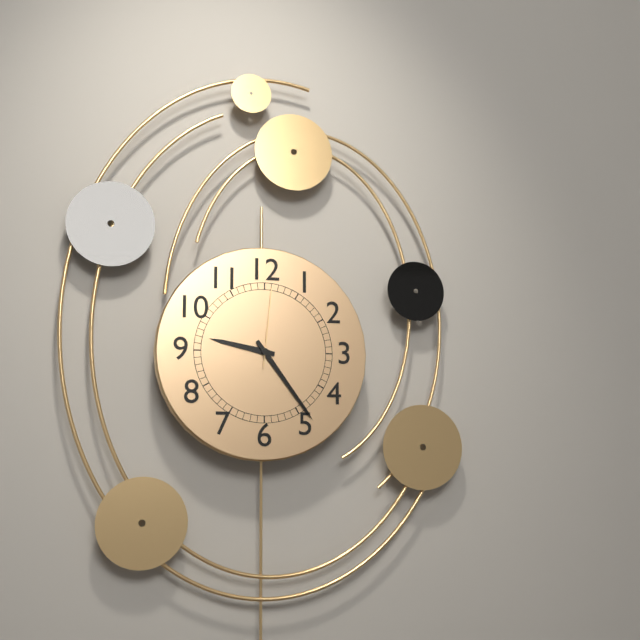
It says **9:24:01**
